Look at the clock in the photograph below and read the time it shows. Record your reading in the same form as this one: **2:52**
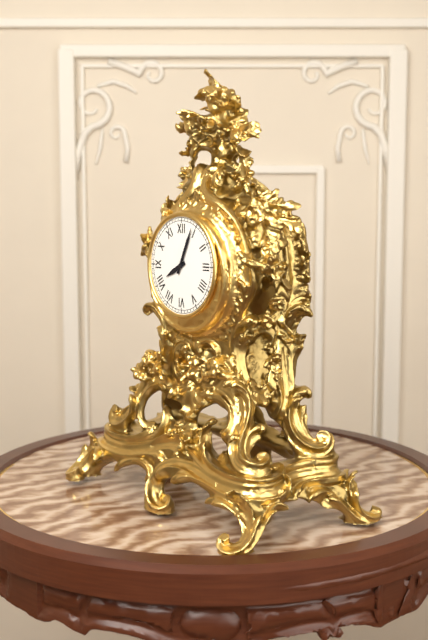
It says **8:04**
